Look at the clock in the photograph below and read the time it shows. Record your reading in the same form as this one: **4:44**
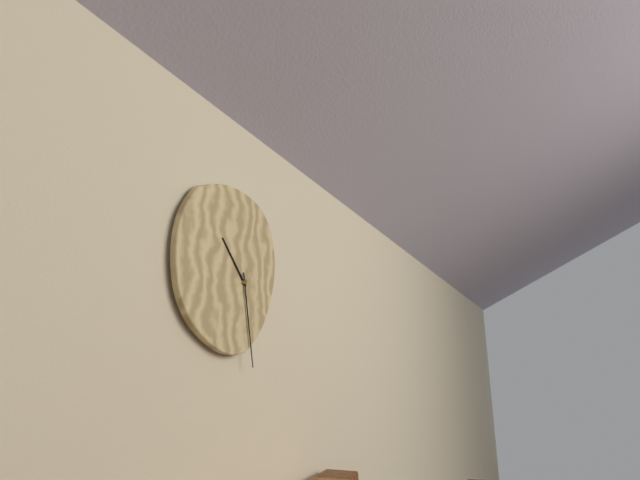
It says **10:28**
